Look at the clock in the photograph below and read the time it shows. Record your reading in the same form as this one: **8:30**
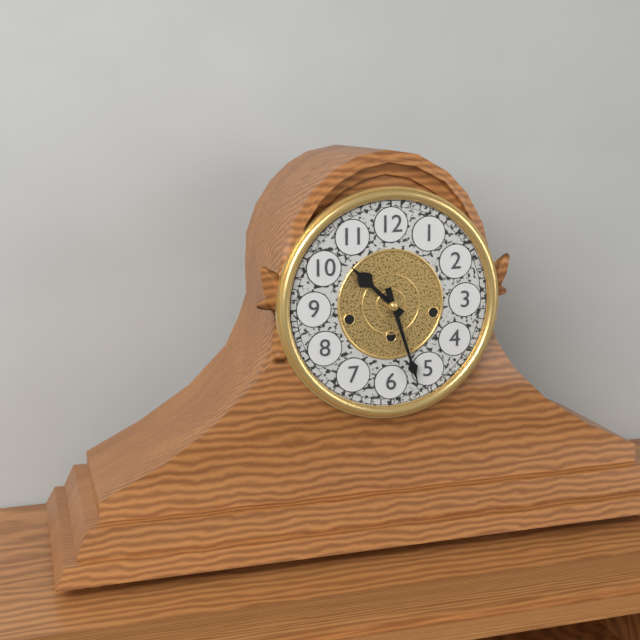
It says **10:27**
